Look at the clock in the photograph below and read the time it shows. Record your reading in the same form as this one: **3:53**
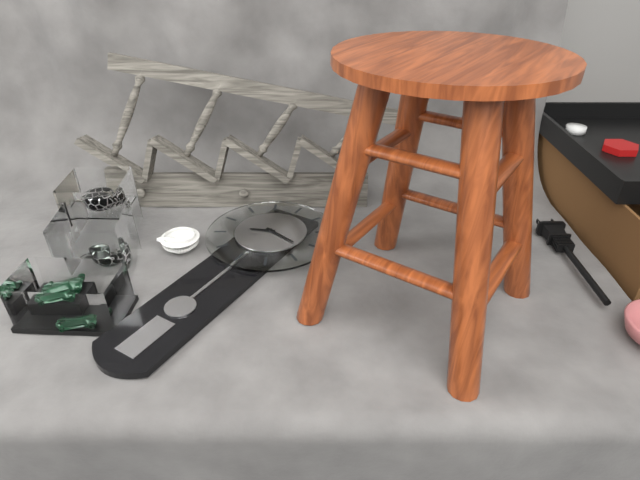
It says **8:17**
